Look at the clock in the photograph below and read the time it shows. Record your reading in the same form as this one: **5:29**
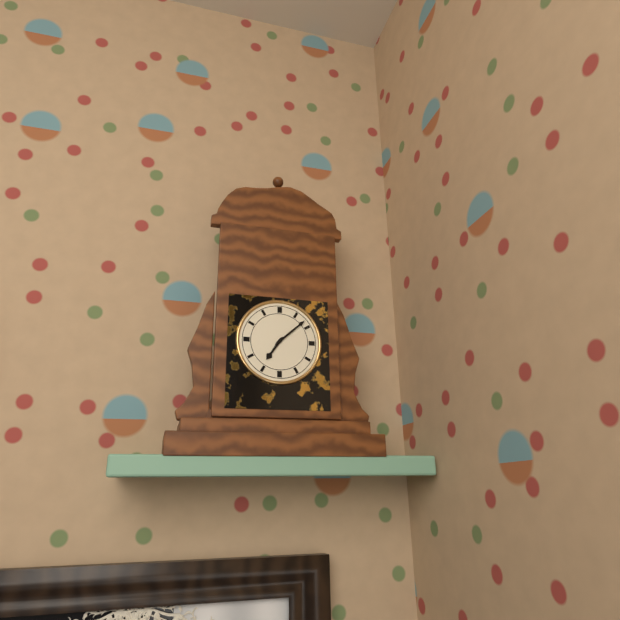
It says **7:08**
